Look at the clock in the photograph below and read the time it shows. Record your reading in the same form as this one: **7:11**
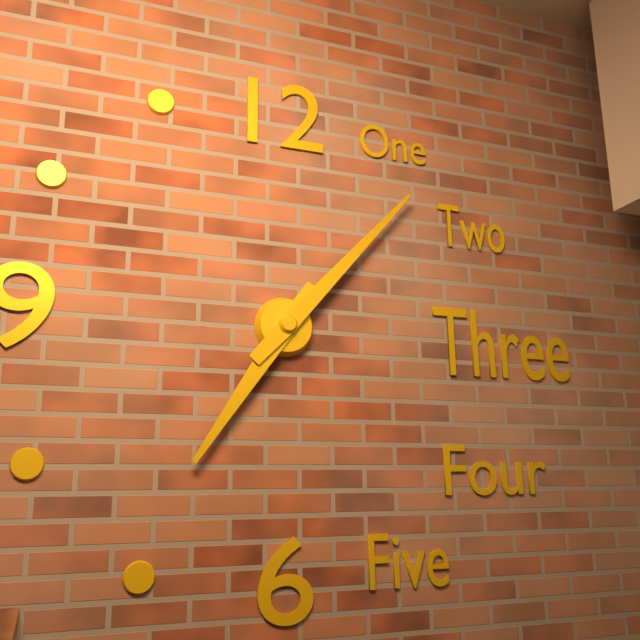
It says **7:07**
